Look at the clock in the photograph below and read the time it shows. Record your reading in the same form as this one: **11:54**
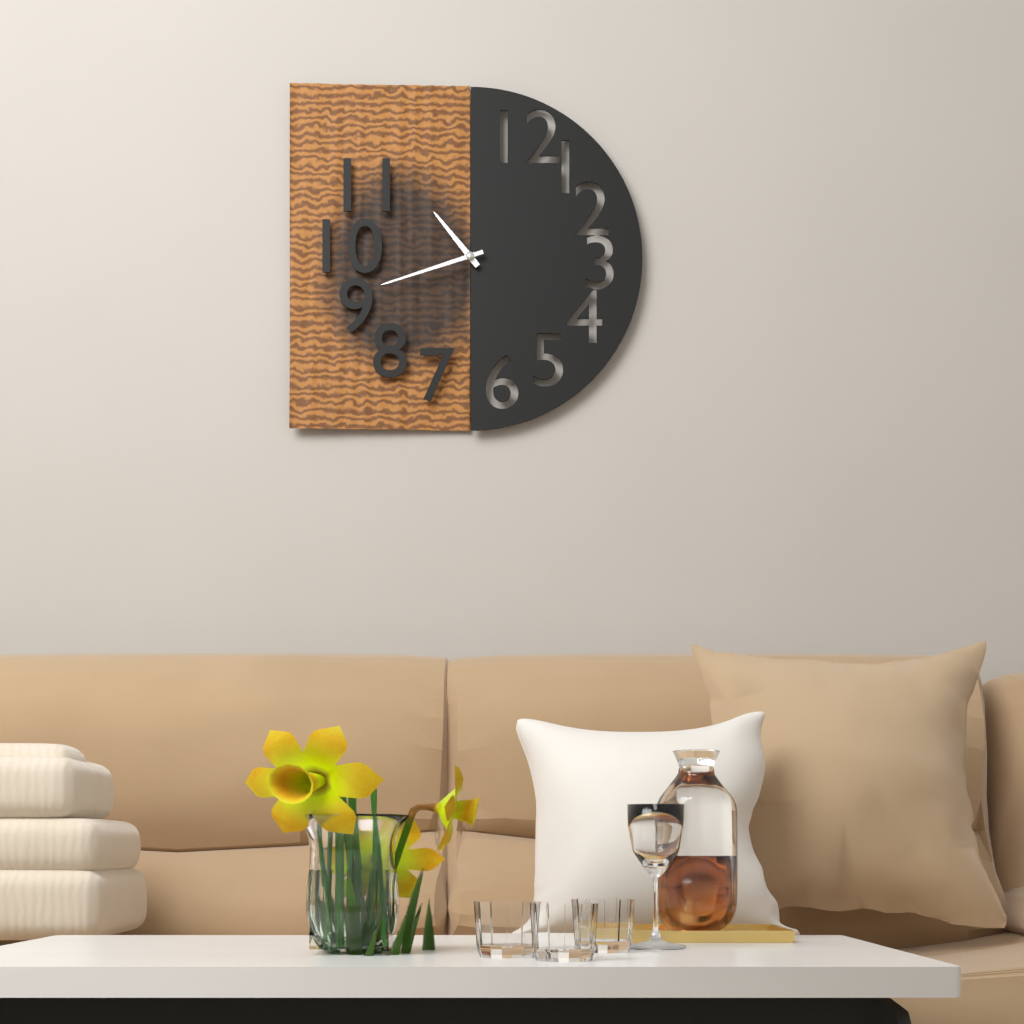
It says **10:42**
